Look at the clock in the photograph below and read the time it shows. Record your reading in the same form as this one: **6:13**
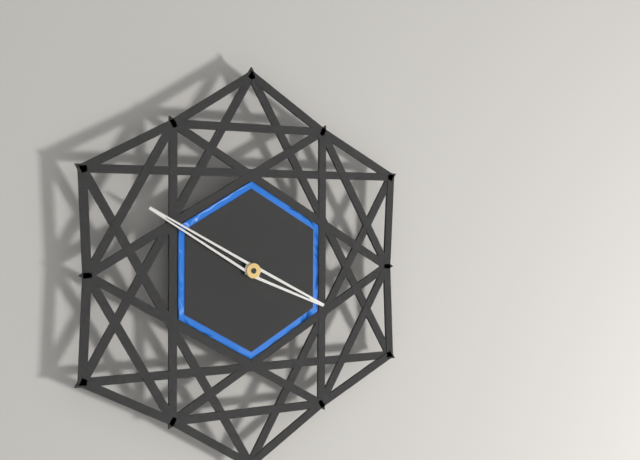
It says **3:50**
